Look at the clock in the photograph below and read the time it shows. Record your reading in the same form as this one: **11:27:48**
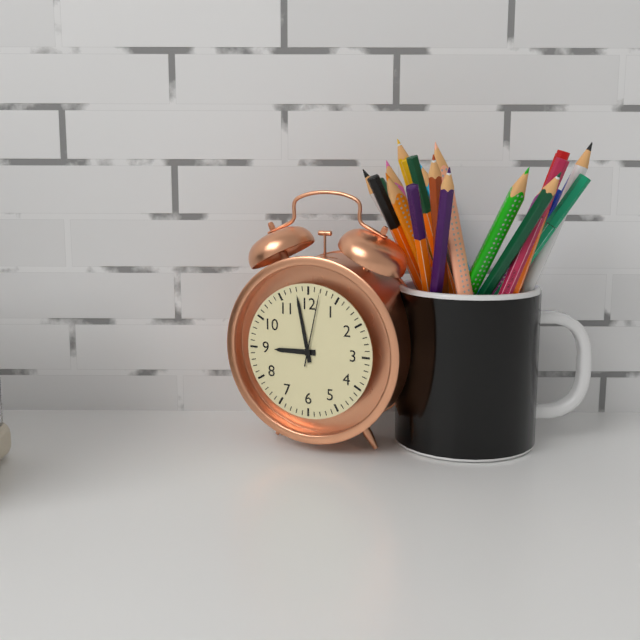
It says **8:58:02**
